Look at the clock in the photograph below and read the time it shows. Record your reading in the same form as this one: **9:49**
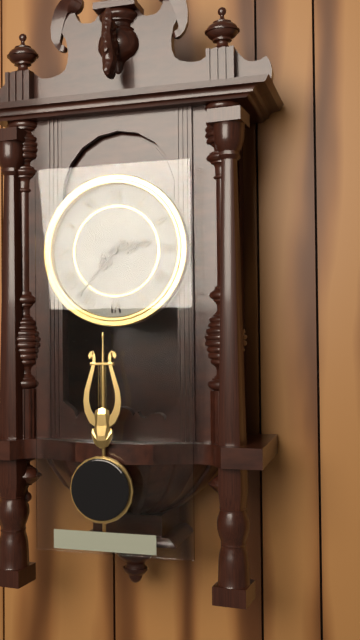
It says **2:37**
